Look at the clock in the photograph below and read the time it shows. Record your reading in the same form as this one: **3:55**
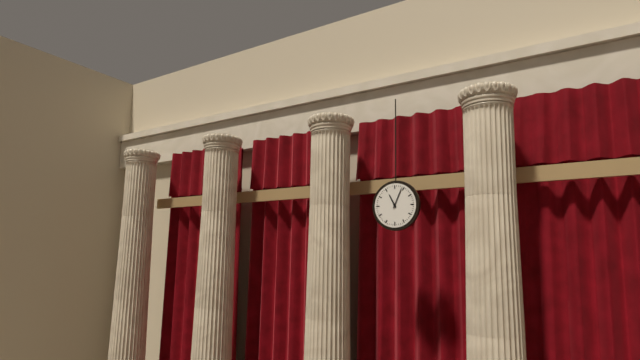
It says **11:04**
